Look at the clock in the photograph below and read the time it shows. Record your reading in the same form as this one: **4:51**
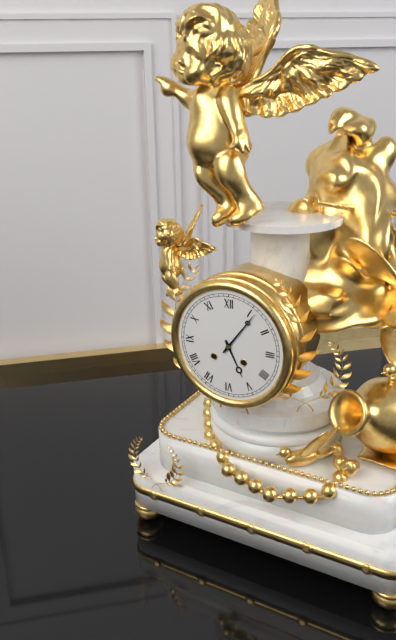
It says **5:06**
